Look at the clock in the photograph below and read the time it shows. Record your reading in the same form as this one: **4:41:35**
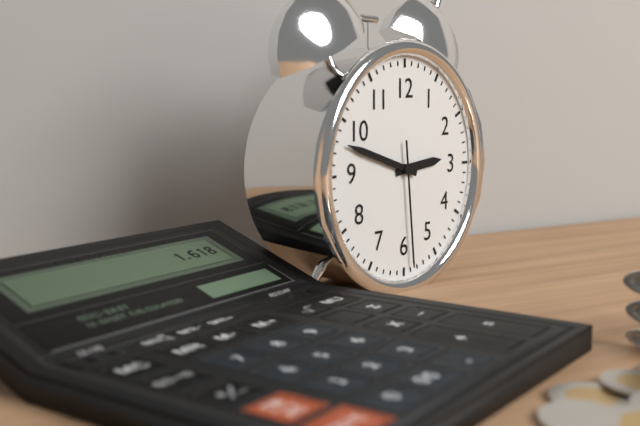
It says **2:48:29**
